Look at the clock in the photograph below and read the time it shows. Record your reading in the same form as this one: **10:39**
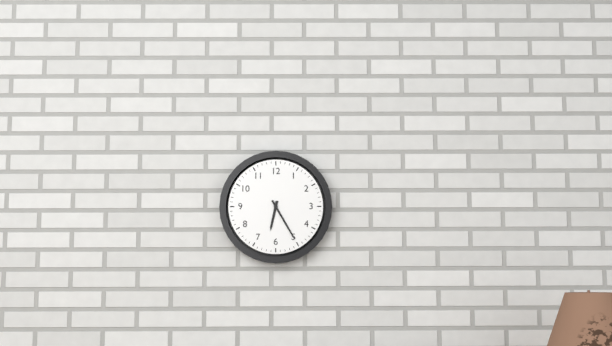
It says **6:25**
